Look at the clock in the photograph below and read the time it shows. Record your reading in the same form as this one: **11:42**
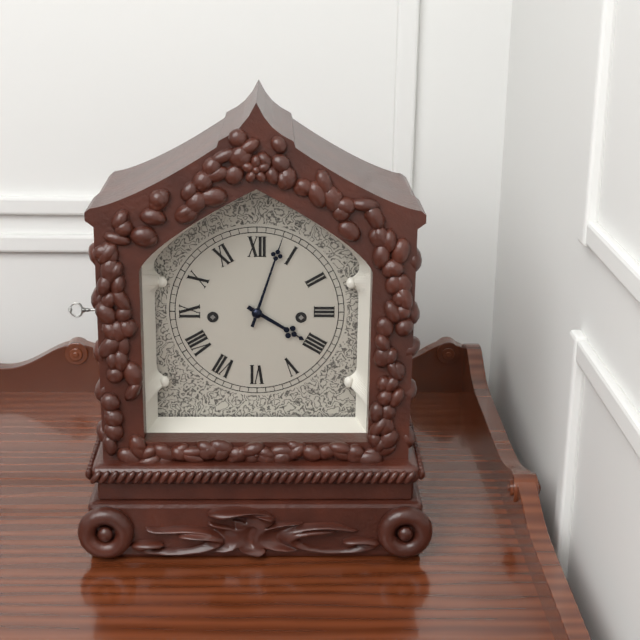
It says **4:03**
